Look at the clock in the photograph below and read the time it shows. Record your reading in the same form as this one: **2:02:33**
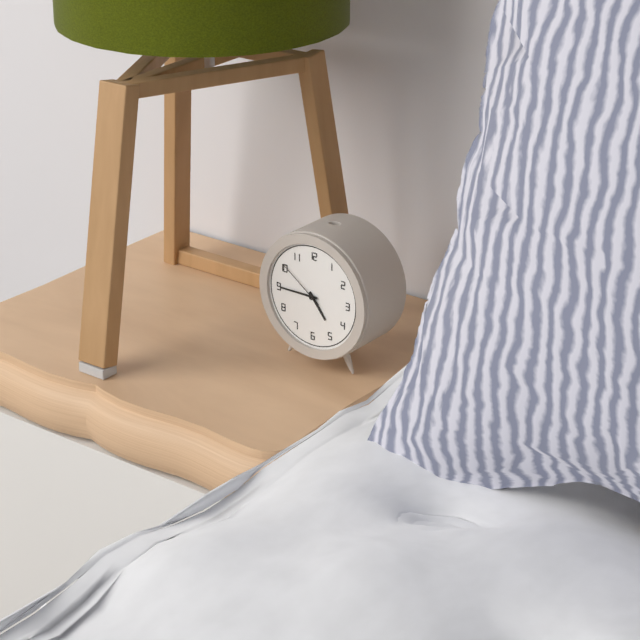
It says **4:45:51**
